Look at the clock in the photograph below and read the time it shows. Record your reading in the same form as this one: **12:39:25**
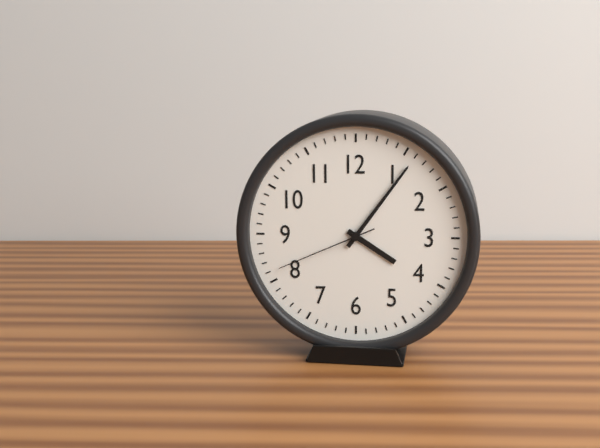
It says **4:06:41**
